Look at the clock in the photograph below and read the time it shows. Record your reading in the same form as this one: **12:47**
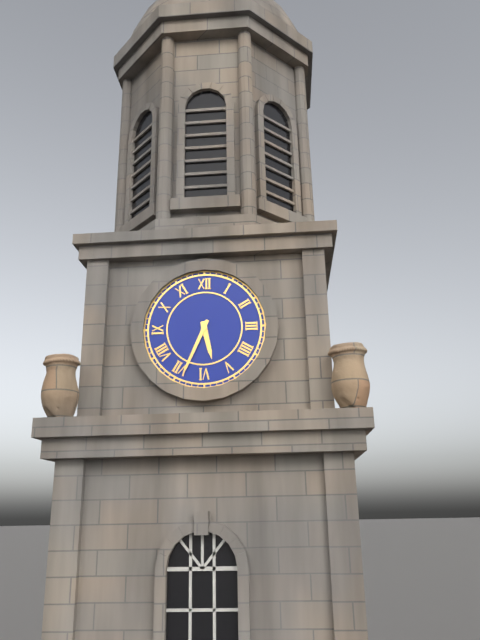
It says **5:34**
